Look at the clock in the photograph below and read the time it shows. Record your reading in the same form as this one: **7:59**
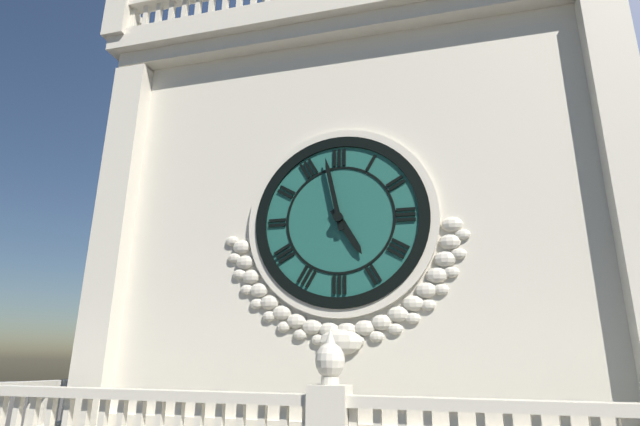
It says **4:58**
